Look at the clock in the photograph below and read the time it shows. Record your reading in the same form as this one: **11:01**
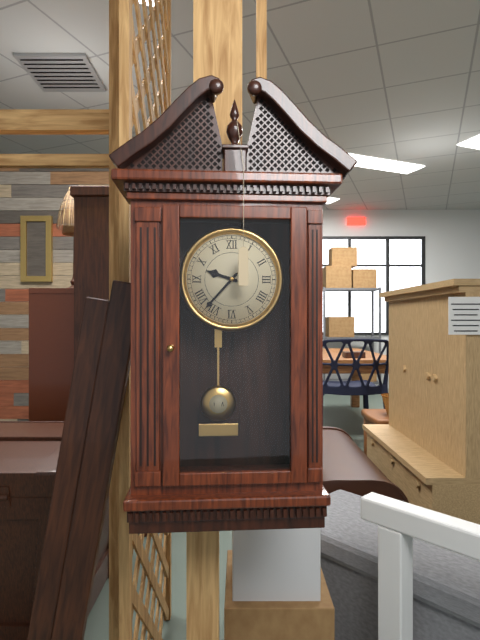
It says **9:37**
